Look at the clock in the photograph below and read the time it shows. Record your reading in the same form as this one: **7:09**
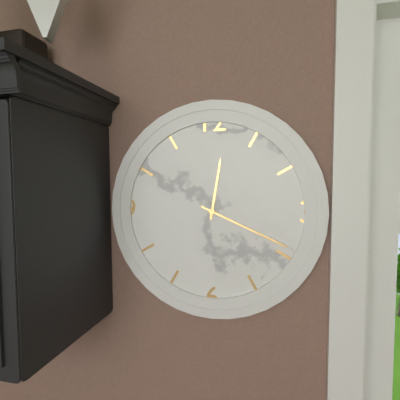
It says **12:19**
